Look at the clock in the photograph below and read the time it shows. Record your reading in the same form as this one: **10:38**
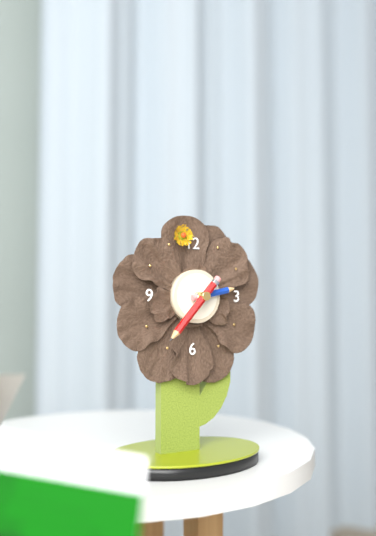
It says **2:37**
